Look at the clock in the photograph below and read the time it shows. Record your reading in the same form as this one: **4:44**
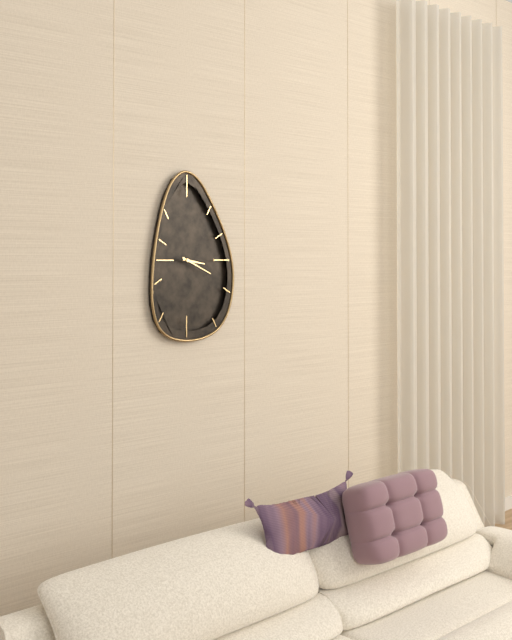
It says **3:19**
